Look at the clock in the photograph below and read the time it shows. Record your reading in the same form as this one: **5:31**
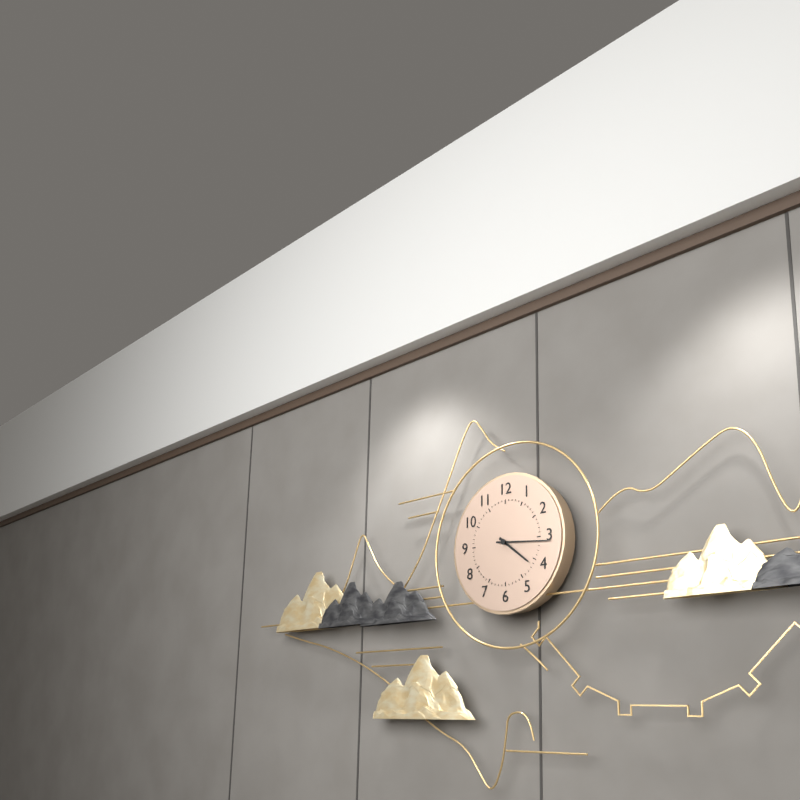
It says **4:16**
